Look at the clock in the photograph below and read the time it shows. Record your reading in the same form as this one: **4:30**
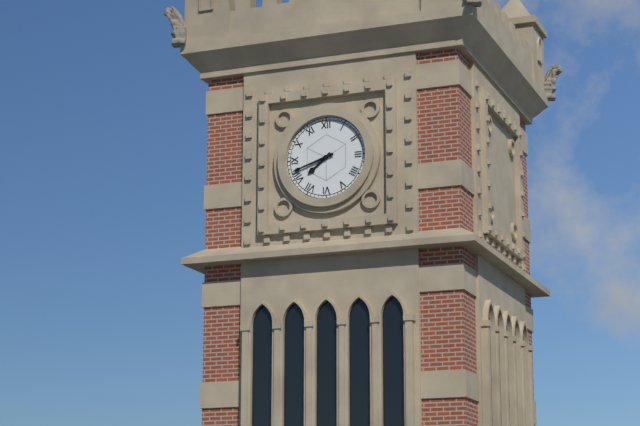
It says **7:42**
